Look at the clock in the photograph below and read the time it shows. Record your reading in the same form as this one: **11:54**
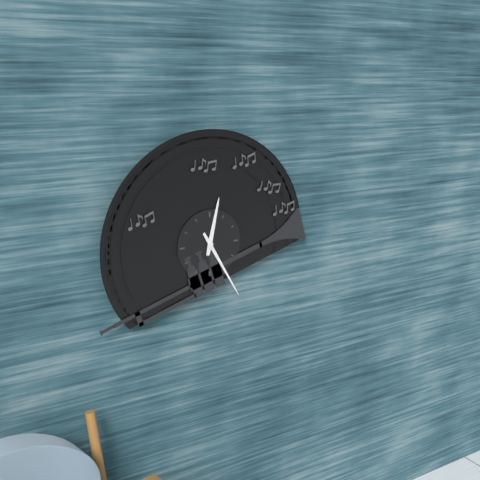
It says **12:25**
